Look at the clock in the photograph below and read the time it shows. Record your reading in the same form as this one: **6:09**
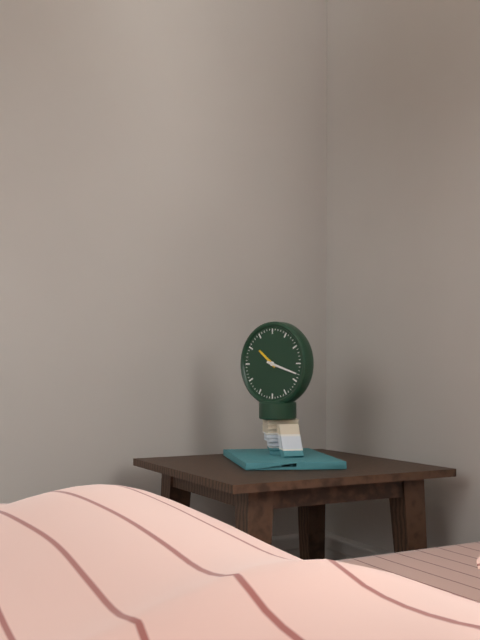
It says **10:18**
